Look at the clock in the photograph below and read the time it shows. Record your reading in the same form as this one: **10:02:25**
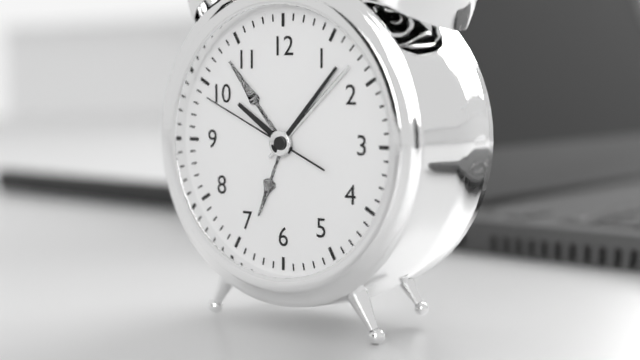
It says **10:07:49**
